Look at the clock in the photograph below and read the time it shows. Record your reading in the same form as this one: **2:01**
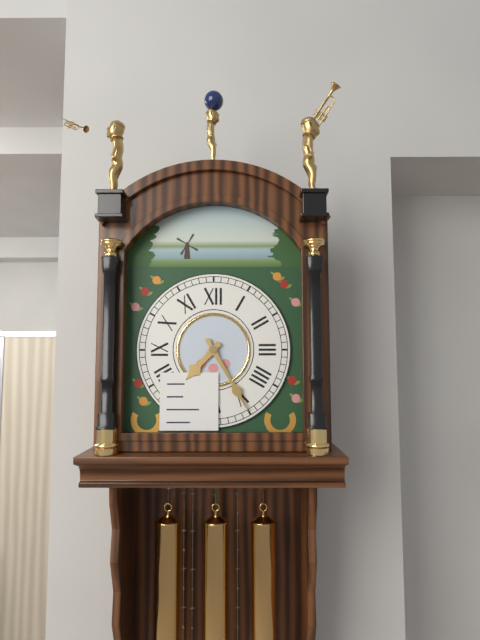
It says **7:25**
